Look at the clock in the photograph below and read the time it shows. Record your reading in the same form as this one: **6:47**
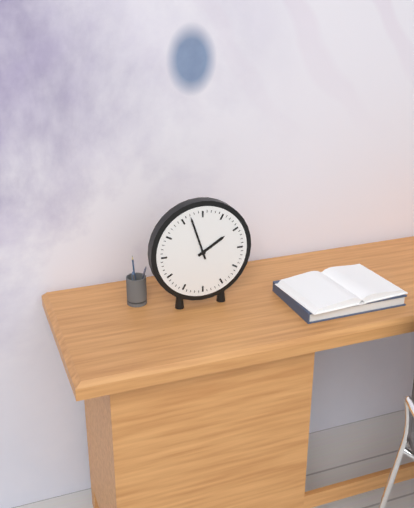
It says **1:57**
